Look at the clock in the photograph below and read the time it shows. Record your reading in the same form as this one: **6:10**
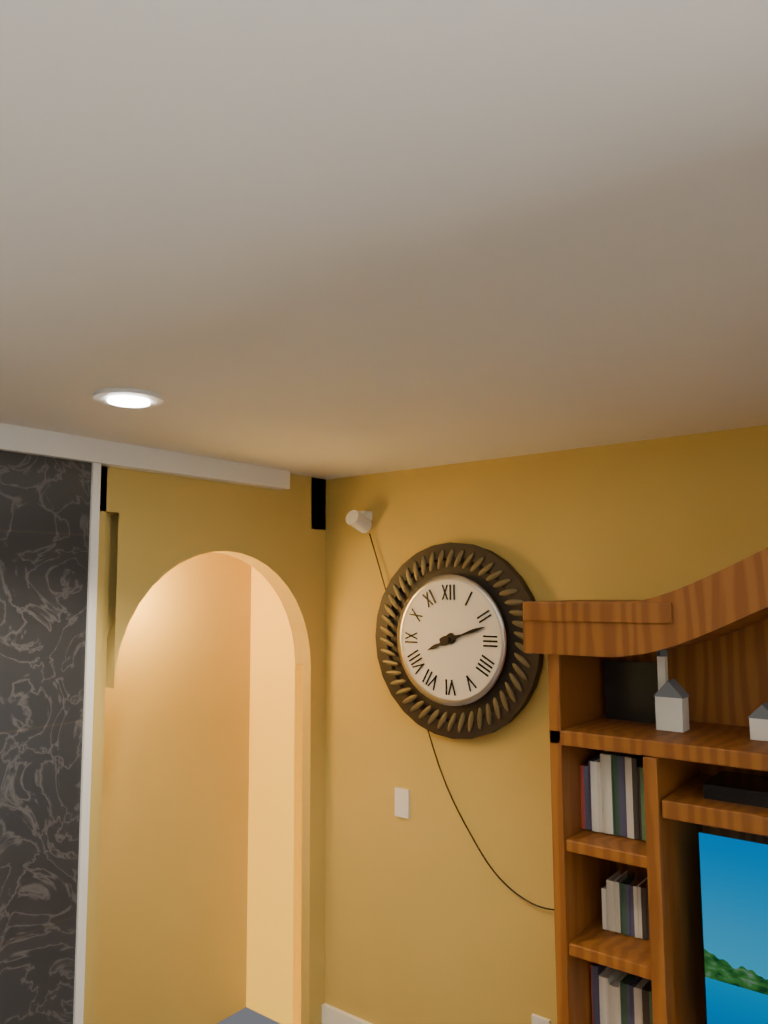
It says **8:12**
